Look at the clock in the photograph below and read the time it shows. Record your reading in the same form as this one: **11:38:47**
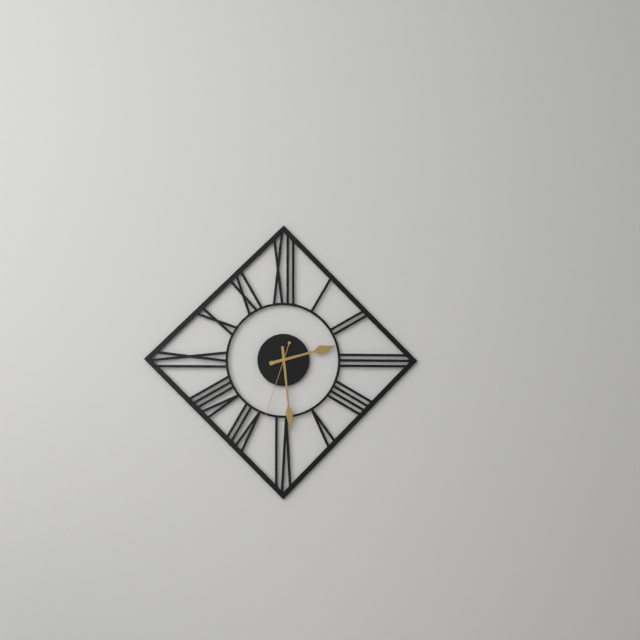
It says **2:29:33**
